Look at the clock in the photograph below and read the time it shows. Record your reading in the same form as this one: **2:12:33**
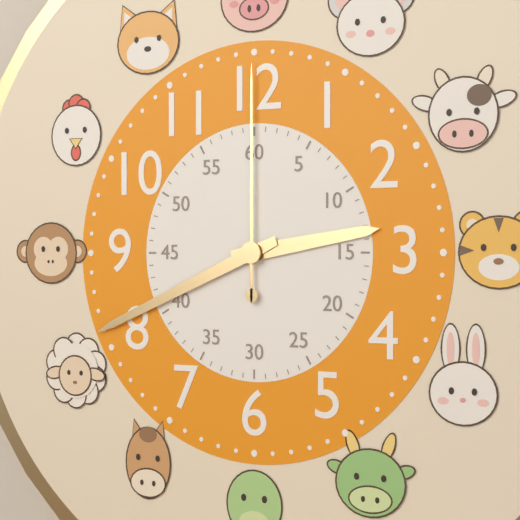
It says **2:41:00**
